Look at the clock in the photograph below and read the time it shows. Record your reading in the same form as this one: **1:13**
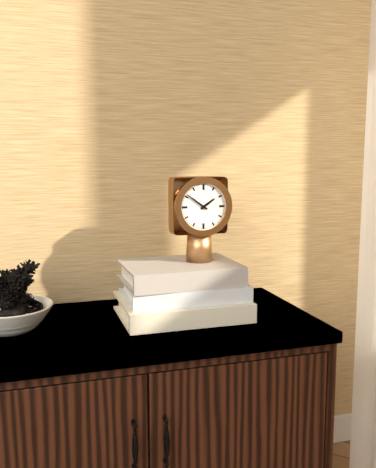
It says **1:51**
